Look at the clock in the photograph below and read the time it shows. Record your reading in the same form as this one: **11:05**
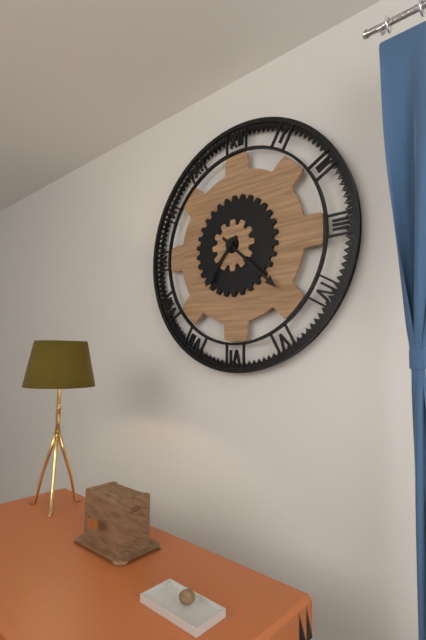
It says **7:22**
